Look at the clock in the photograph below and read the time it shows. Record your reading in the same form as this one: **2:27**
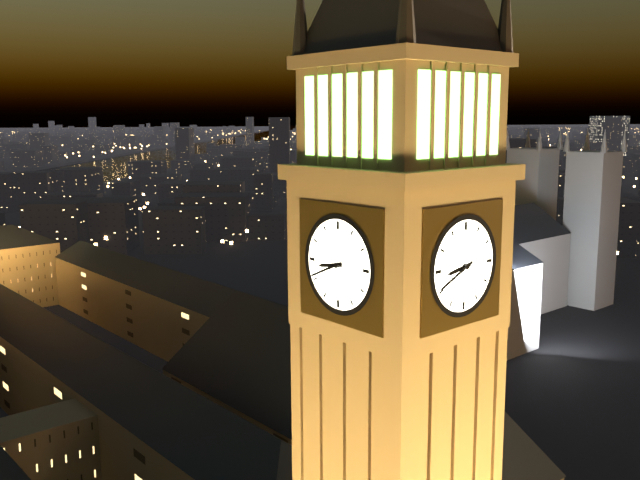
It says **8:41**
